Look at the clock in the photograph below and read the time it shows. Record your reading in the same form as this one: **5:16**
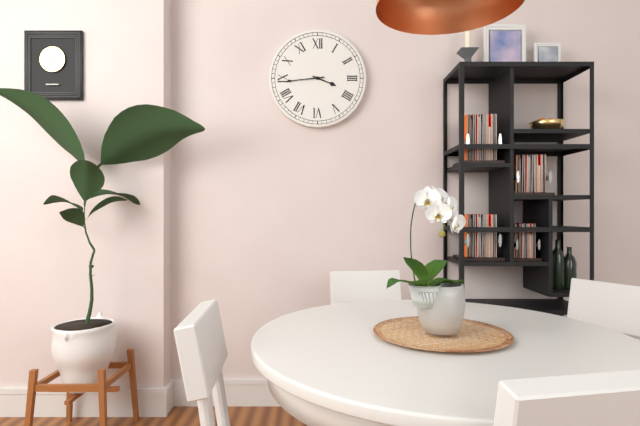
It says **3:44**
